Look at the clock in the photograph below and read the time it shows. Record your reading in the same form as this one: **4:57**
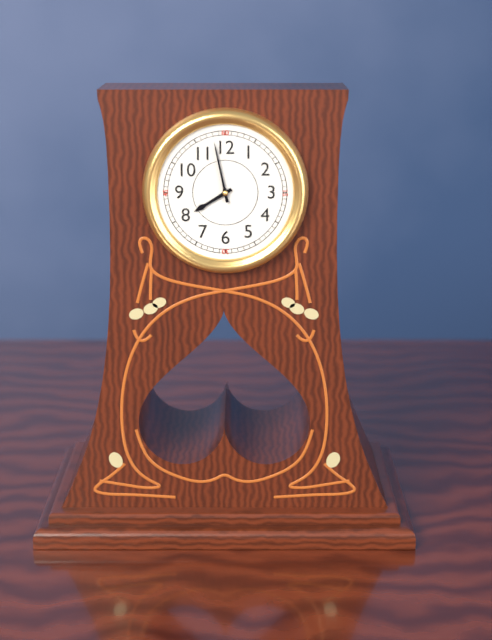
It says **7:58**
